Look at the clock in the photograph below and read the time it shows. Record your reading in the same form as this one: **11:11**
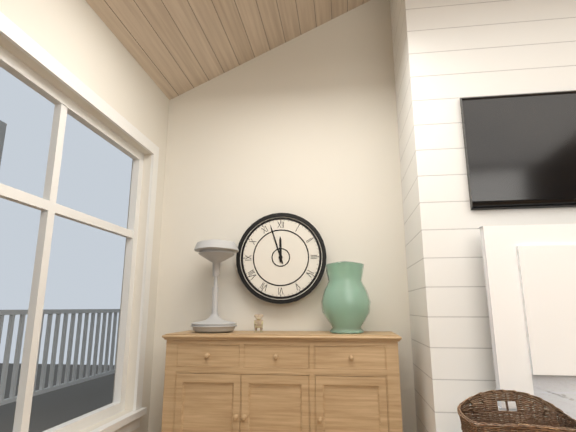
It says **11:57**
